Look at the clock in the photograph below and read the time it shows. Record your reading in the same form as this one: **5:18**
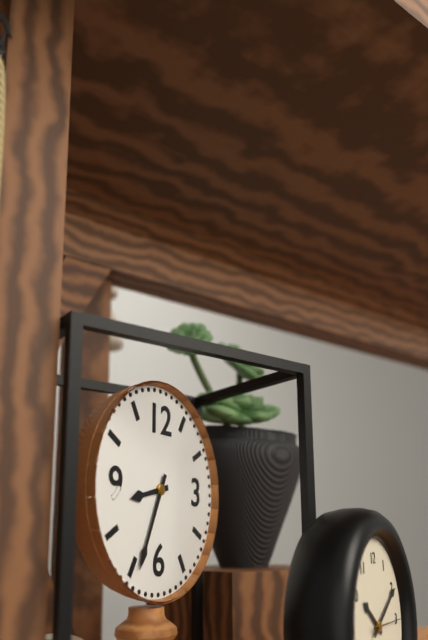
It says **8:34**
